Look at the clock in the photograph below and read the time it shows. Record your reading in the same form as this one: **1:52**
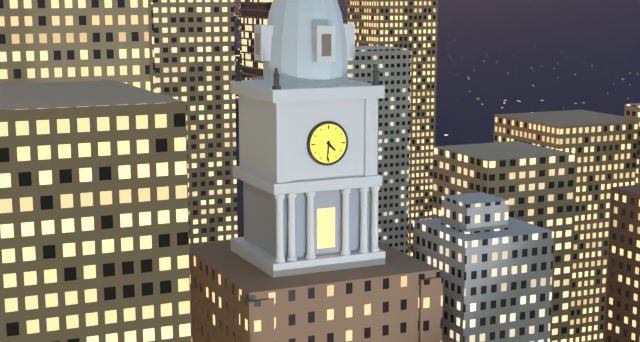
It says **4:31**
